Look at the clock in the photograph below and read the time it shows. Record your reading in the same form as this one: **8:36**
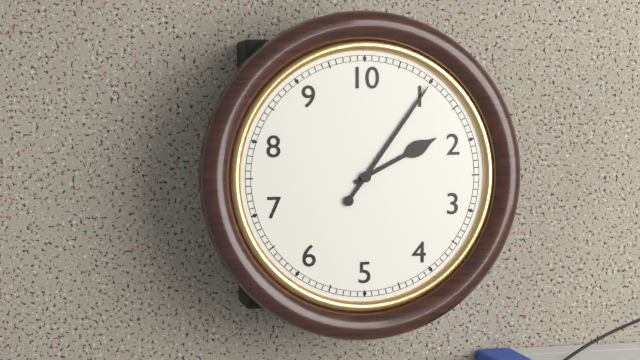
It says **2:06**
